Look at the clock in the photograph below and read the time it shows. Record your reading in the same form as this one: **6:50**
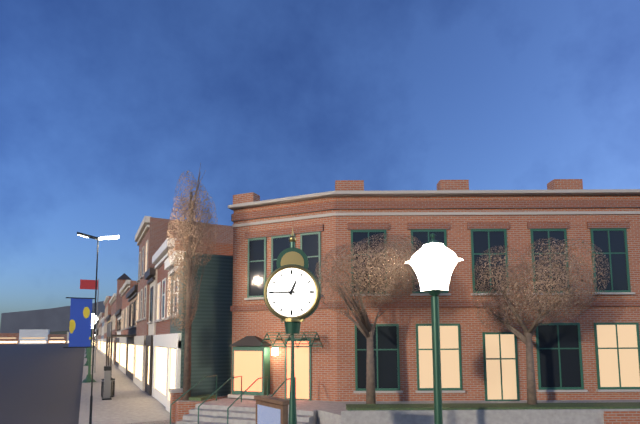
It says **12:45**
